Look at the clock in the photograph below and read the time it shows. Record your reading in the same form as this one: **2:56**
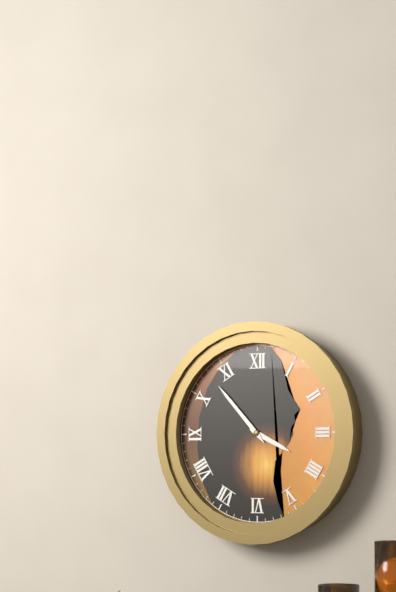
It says **3:53**
